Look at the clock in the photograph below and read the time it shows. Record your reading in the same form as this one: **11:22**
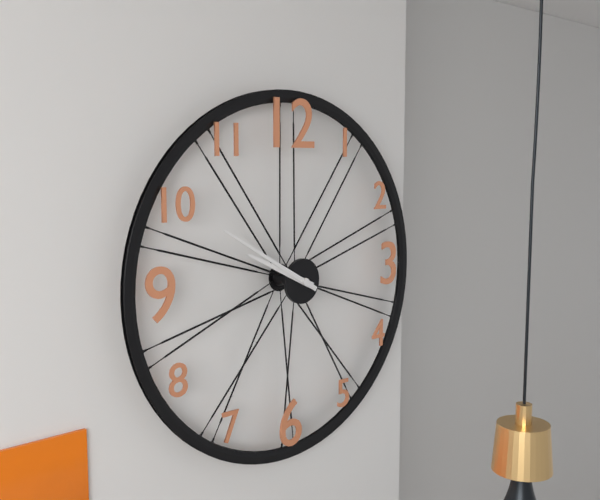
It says **9:50**
